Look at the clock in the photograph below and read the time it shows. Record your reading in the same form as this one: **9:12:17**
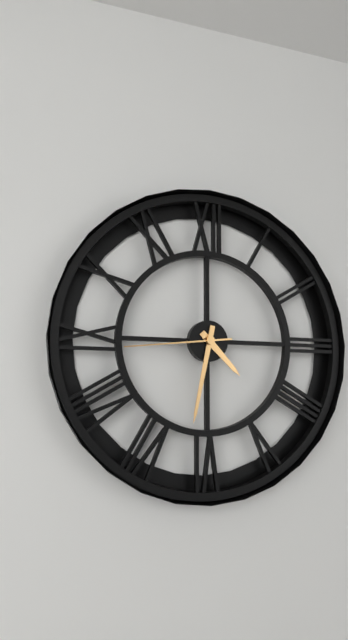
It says **4:32:44**
